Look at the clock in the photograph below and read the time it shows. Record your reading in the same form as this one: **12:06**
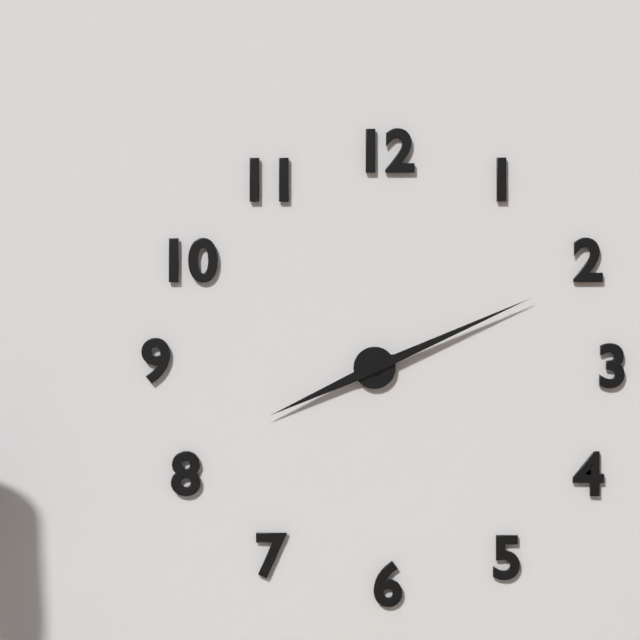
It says **8:11**
